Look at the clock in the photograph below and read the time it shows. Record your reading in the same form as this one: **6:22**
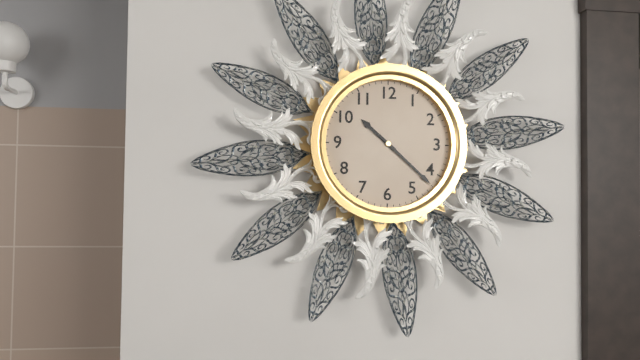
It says **10:22**
